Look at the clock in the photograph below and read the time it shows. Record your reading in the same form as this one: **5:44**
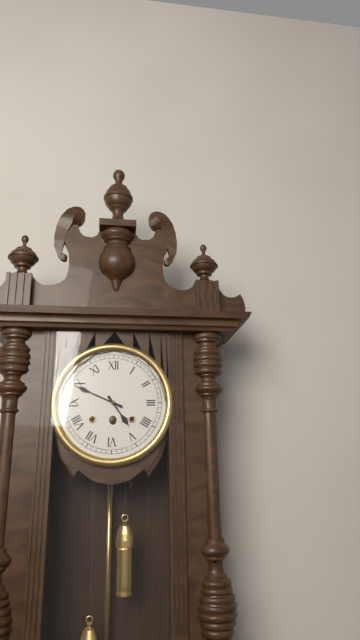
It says **4:49**
